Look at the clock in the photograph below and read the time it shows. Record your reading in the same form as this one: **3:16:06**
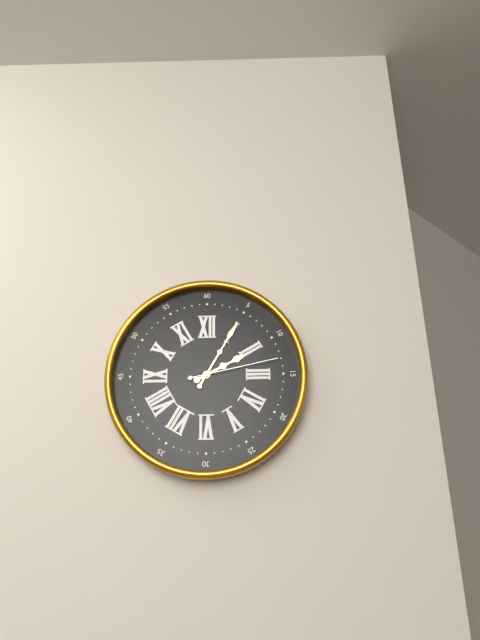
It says **2:05:13**
